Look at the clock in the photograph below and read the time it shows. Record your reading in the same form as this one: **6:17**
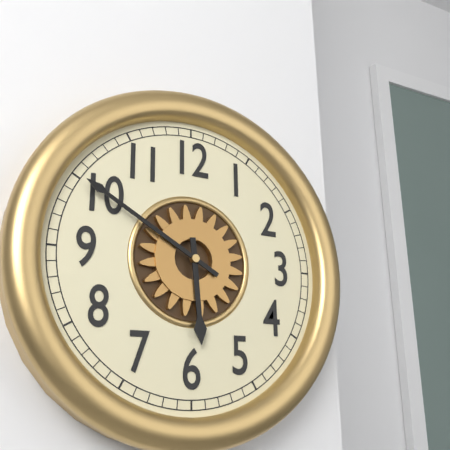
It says **5:50**
